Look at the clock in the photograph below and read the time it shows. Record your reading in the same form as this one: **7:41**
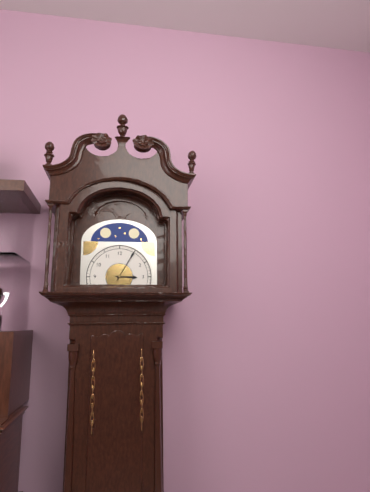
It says **3:05**
